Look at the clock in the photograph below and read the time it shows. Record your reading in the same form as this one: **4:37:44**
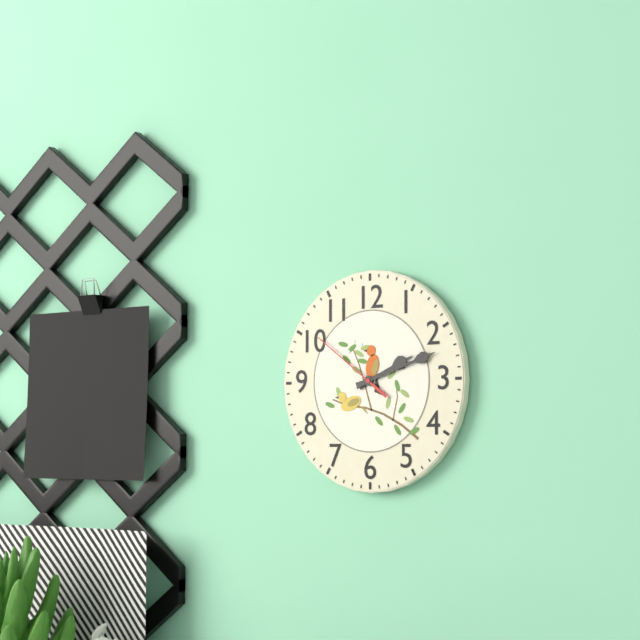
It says **2:12:51**
